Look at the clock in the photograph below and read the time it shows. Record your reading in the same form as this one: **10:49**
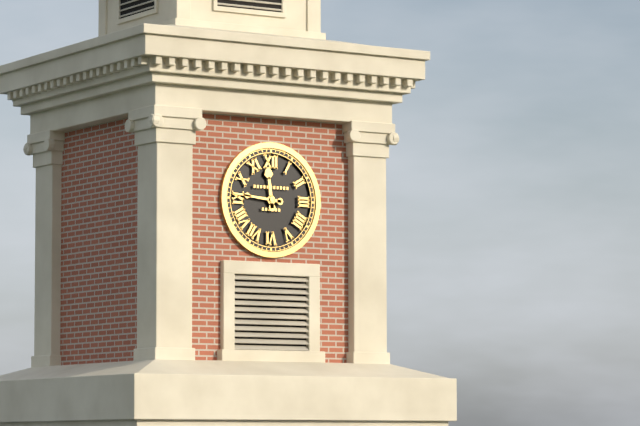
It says **11:46**
